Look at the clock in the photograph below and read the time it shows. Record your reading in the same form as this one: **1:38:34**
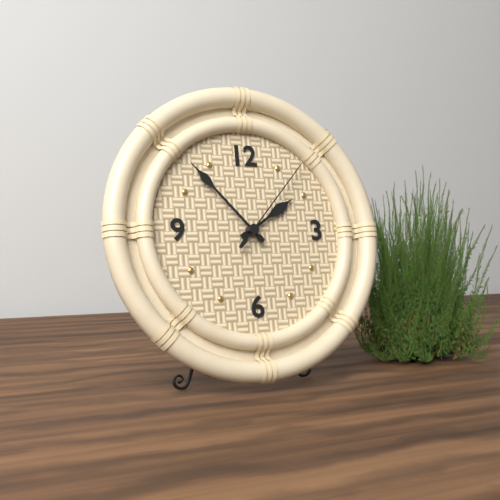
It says **1:53:07**
